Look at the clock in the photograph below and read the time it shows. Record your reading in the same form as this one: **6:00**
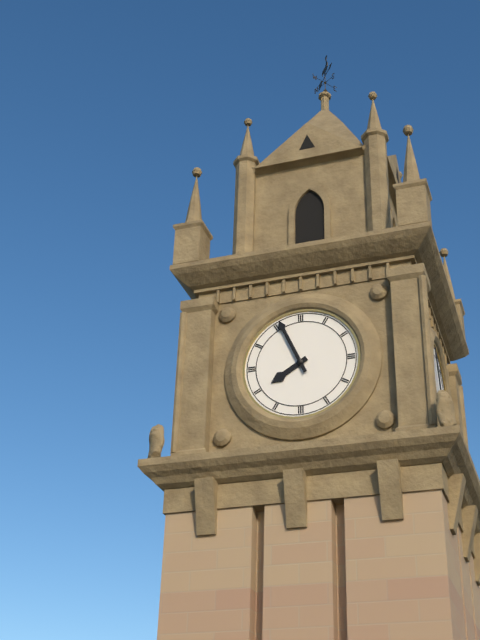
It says **7:56**
